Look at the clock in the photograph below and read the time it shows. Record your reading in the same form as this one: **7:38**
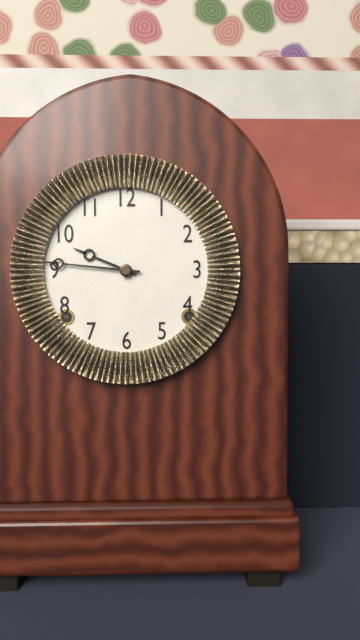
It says **9:46**
